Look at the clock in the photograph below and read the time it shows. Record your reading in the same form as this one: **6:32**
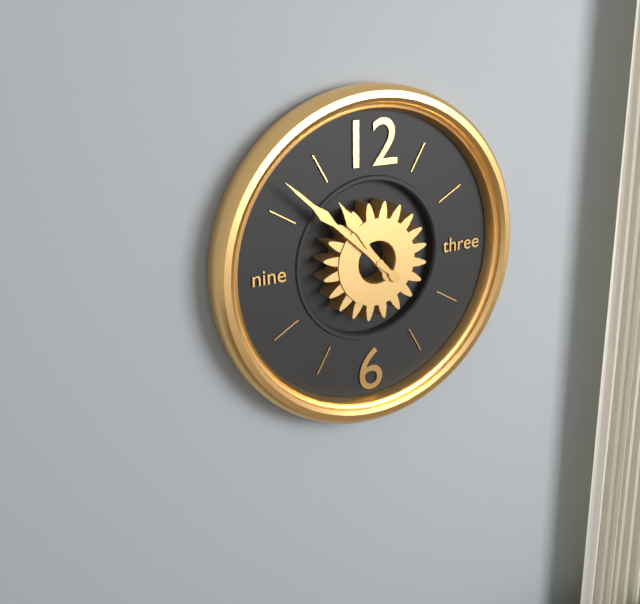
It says **10:52**
